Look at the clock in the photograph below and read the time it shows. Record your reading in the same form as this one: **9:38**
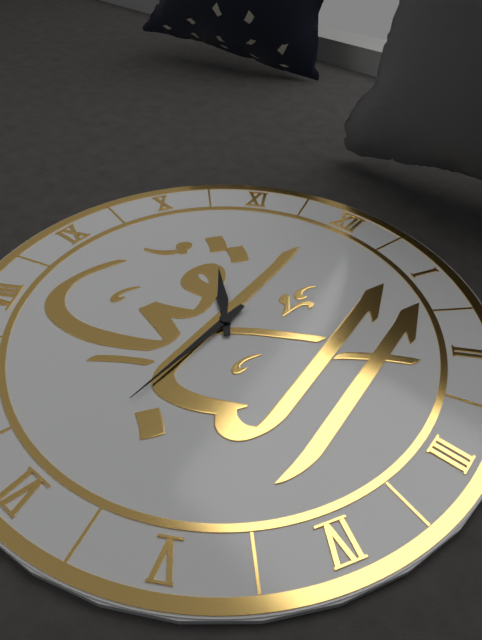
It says **10:30**
